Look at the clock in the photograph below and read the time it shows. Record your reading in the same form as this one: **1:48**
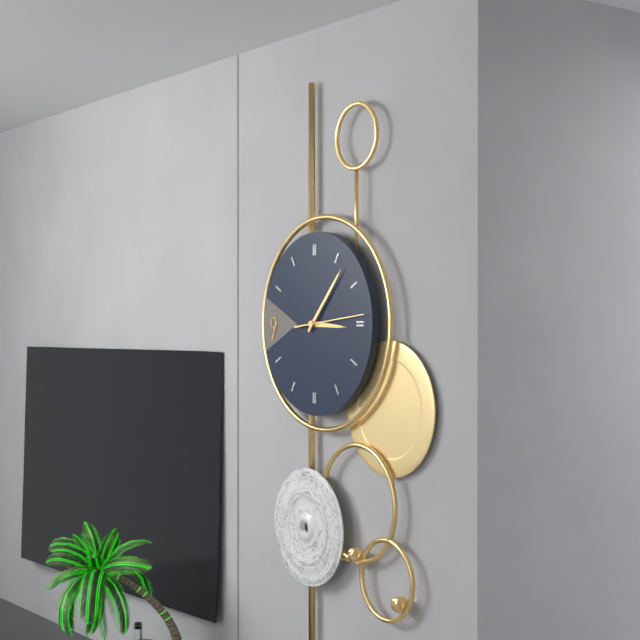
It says **3:07**
